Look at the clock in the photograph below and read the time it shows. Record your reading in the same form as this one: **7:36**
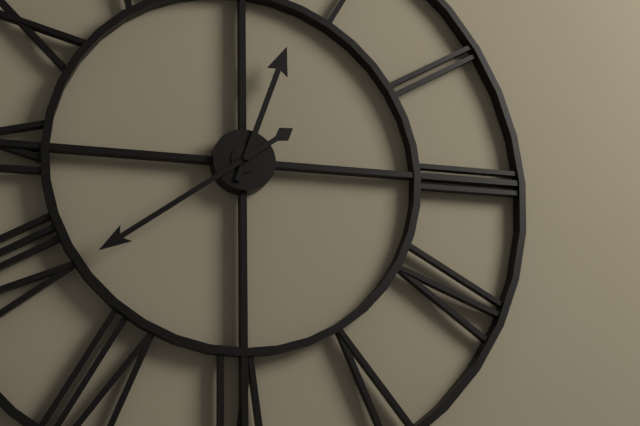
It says **12:39**
